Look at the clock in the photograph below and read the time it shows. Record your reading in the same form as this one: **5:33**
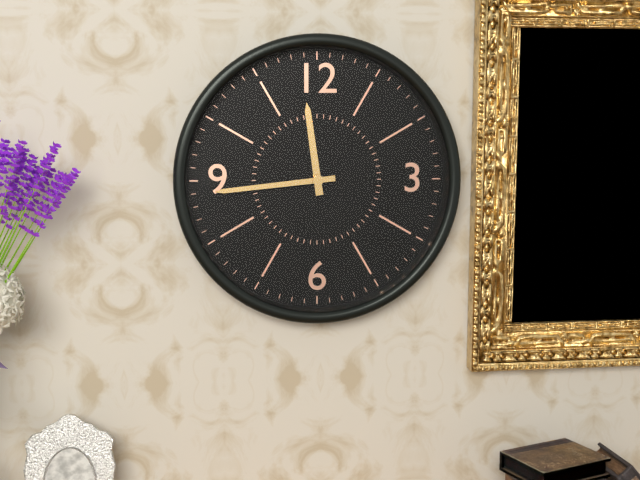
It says **11:44**
